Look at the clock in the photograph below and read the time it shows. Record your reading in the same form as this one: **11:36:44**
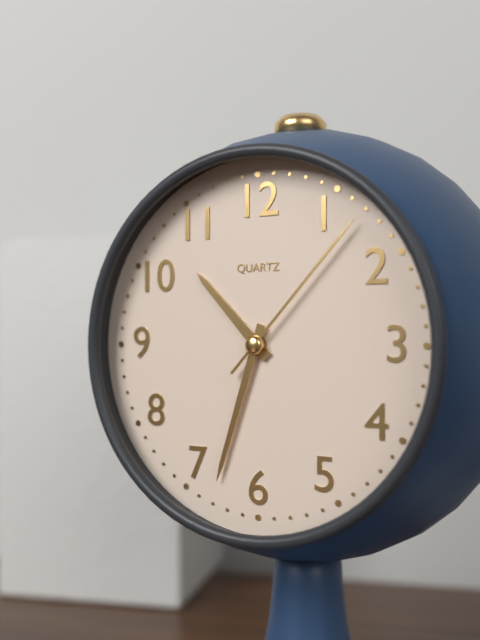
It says **10:33:07**
